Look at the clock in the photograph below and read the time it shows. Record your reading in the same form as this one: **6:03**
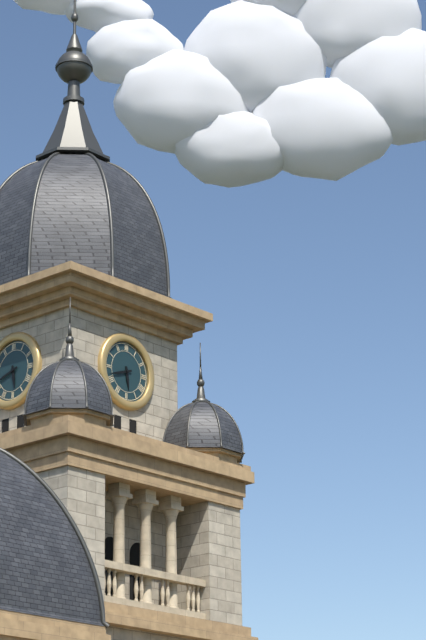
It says **5:42**
